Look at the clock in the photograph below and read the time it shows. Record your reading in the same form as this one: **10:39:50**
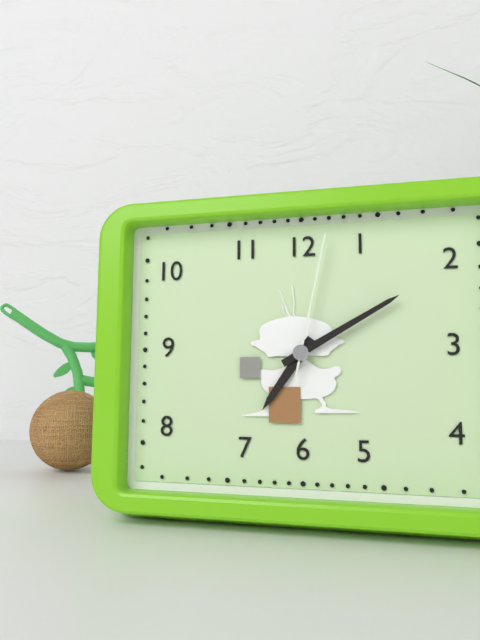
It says **7:10:02**
